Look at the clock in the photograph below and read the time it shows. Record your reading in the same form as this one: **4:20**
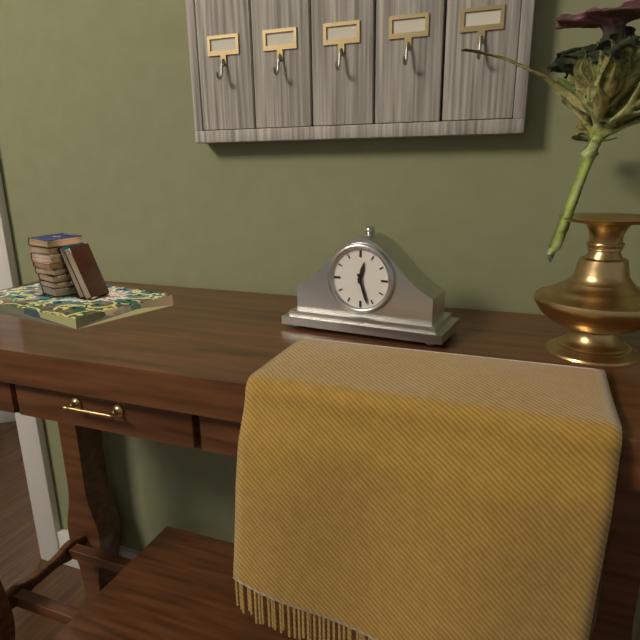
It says **12:27**
